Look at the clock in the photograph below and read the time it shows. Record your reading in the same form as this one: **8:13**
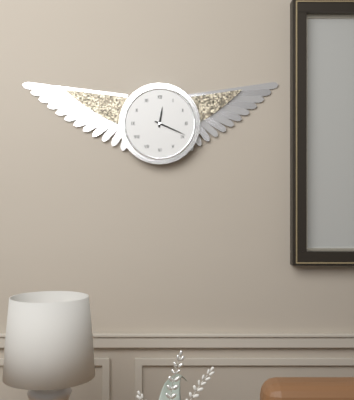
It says **12:19**
